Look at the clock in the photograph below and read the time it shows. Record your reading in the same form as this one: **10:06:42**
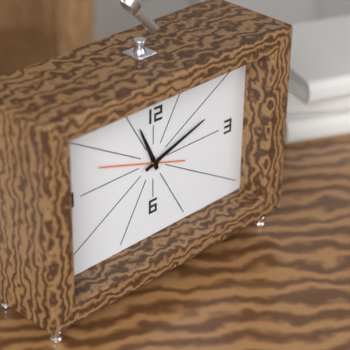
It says **11:12:48**
